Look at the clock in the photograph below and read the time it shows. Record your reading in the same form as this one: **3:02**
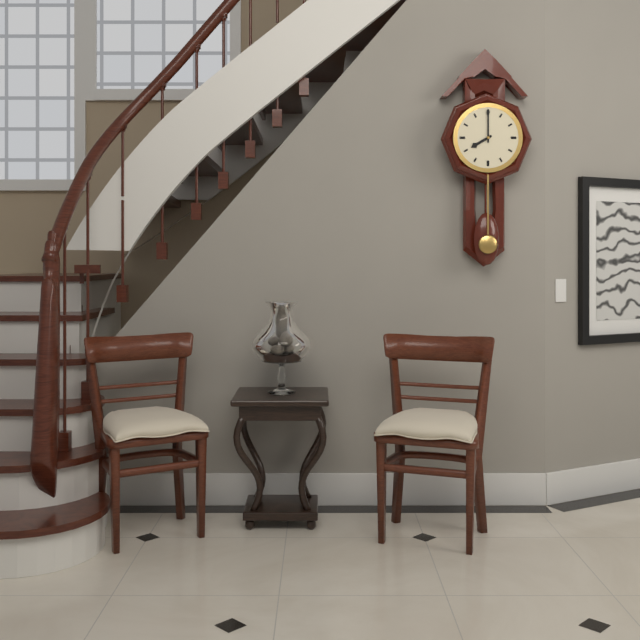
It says **8:00**
